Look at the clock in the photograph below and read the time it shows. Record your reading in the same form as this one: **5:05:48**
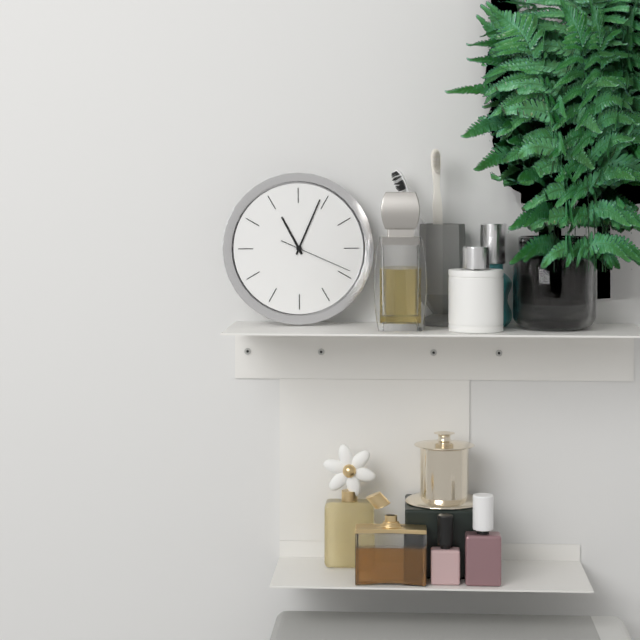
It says **11:04:19**
